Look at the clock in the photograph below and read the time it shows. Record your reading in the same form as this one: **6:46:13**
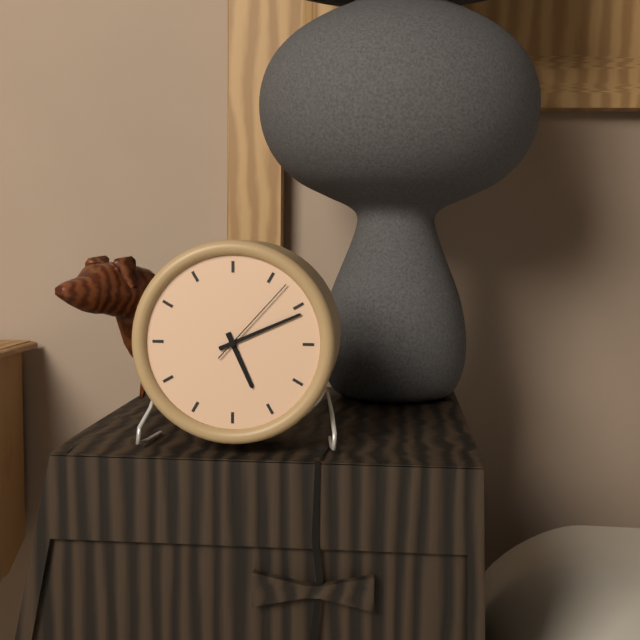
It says **5:11:07**
